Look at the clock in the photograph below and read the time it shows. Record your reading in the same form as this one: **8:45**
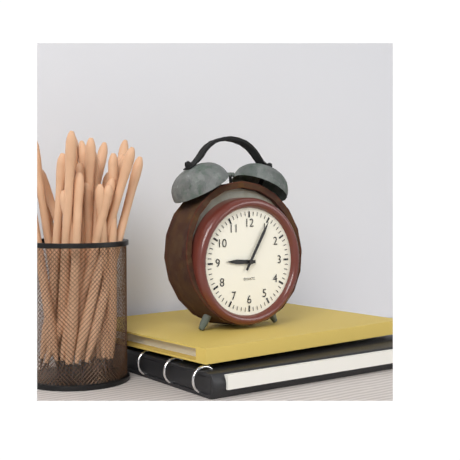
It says **9:05**
